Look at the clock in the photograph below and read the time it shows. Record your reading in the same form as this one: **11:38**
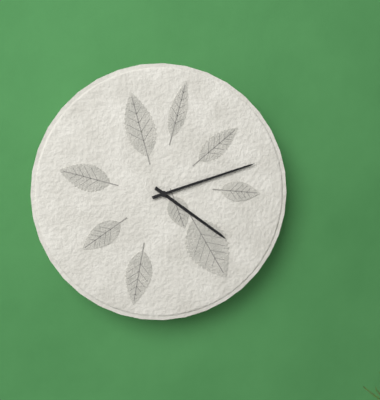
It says **4:12**
